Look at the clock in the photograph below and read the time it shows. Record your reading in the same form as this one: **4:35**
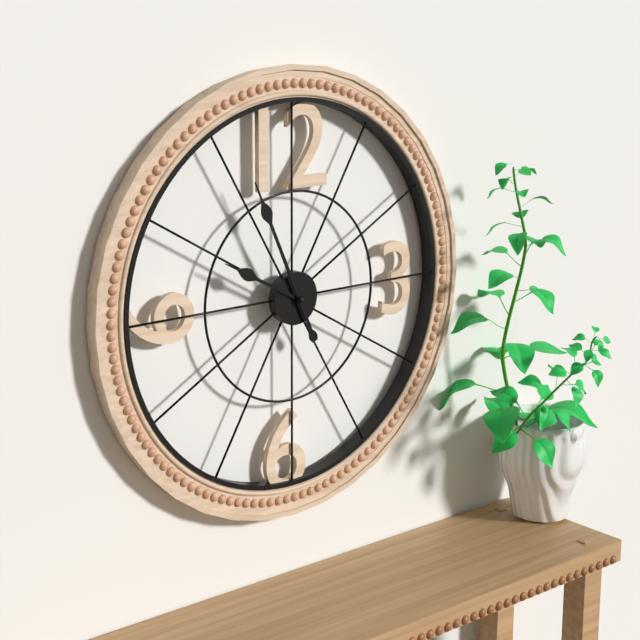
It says **9:56**
